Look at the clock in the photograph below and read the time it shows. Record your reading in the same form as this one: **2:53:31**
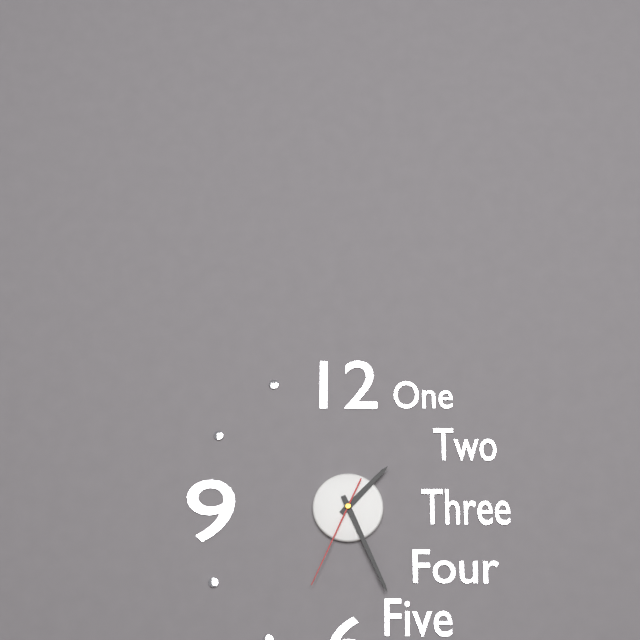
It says **1:26:34**
